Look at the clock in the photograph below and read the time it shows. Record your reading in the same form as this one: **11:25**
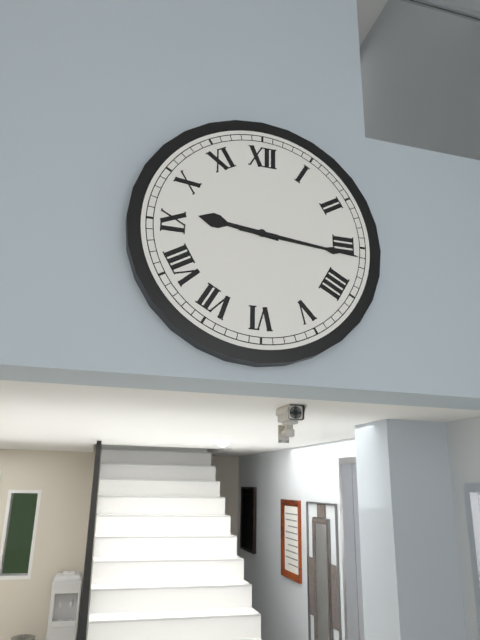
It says **9:16**
